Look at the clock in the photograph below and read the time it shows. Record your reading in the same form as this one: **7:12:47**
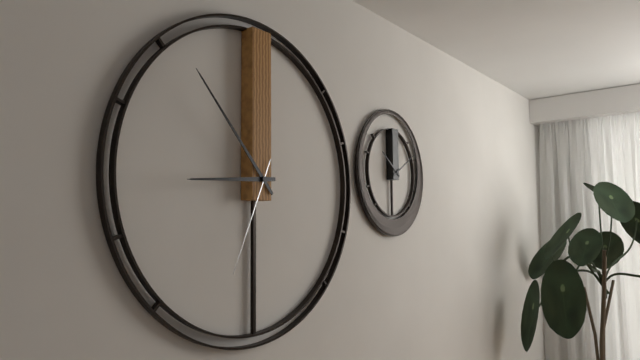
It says **8:53:34**
